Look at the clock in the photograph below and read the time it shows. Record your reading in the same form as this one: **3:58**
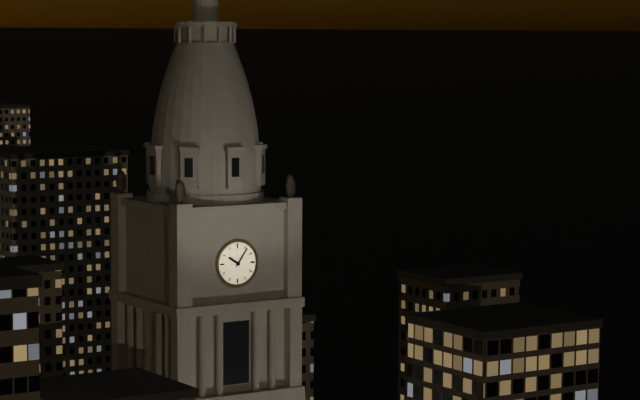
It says **10:06**
